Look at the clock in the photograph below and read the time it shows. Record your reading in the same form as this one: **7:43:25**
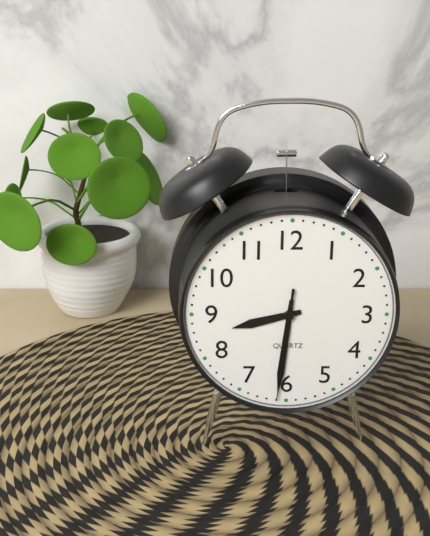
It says **8:31:31**
